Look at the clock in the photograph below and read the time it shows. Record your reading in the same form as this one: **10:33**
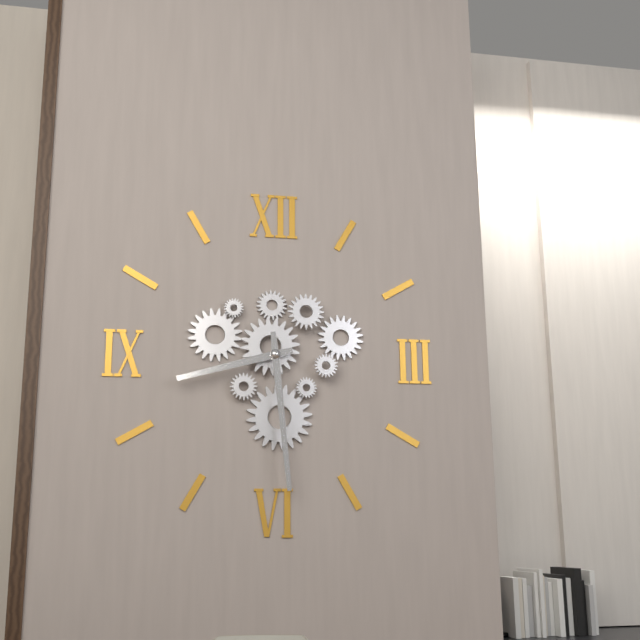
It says **8:29**
